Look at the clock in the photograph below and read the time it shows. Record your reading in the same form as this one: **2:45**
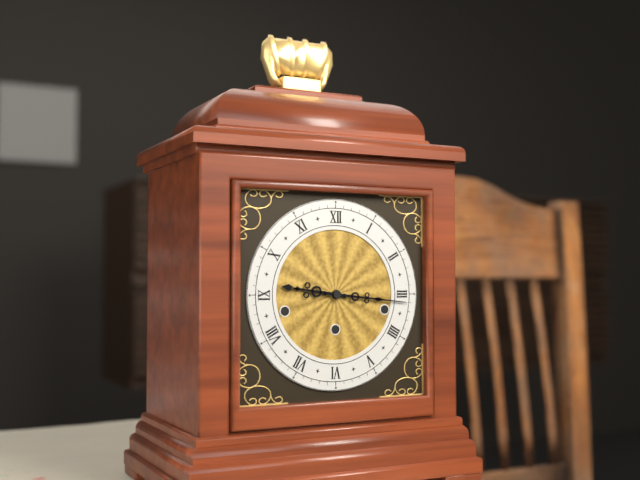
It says **9:16**
